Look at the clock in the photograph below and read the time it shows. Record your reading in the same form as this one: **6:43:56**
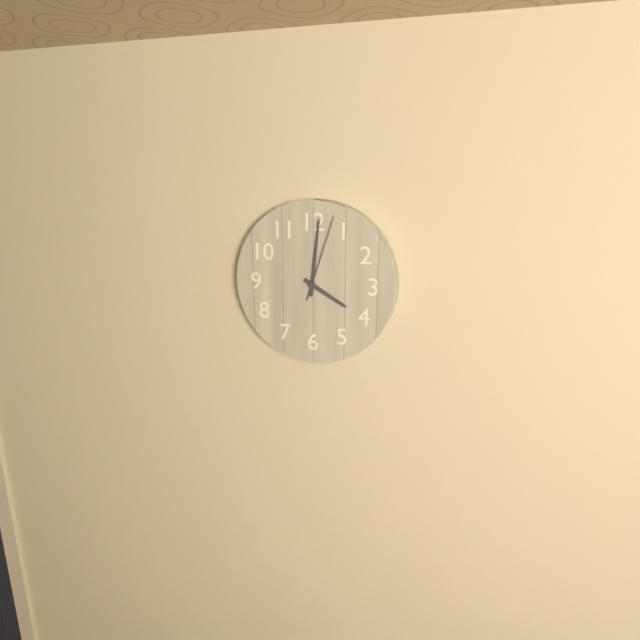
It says **4:01:03**
